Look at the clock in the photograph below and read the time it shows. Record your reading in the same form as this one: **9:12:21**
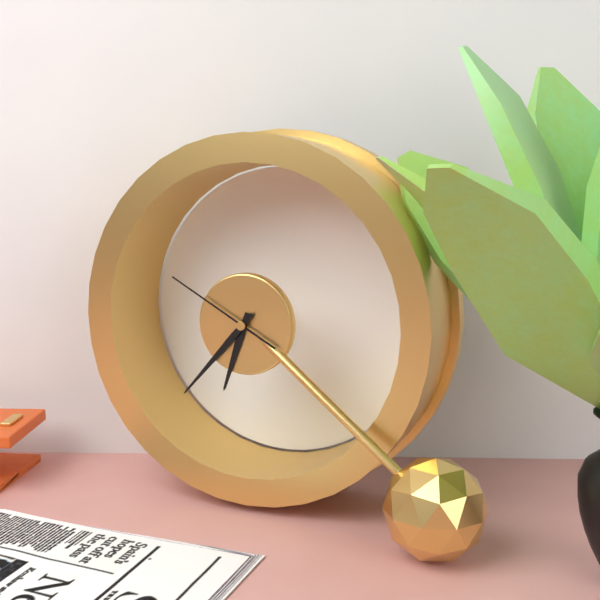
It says **6:37:50**
